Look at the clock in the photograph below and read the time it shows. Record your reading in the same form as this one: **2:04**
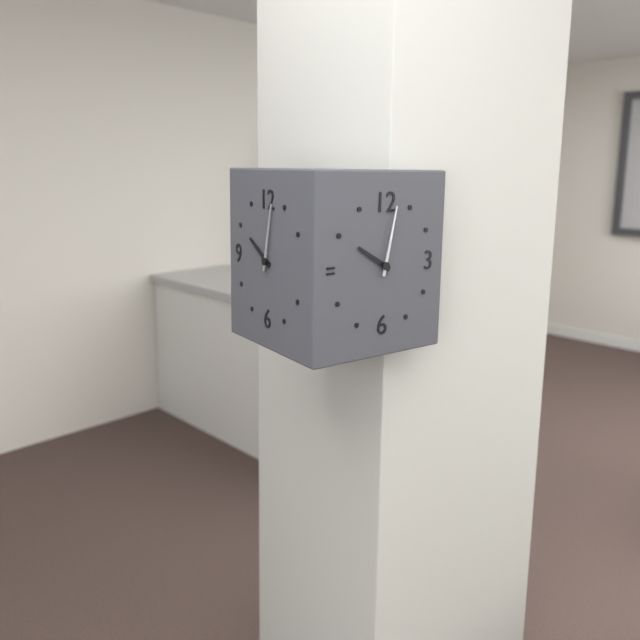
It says **10:02**
